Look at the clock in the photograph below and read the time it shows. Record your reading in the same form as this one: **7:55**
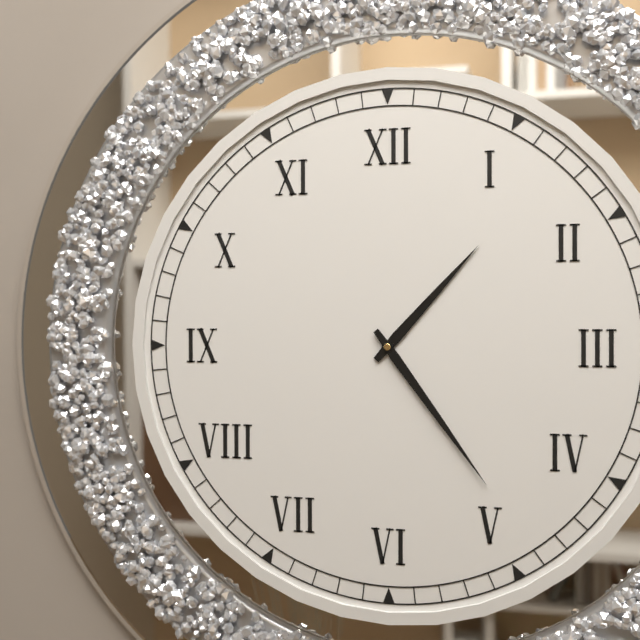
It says **1:24**
